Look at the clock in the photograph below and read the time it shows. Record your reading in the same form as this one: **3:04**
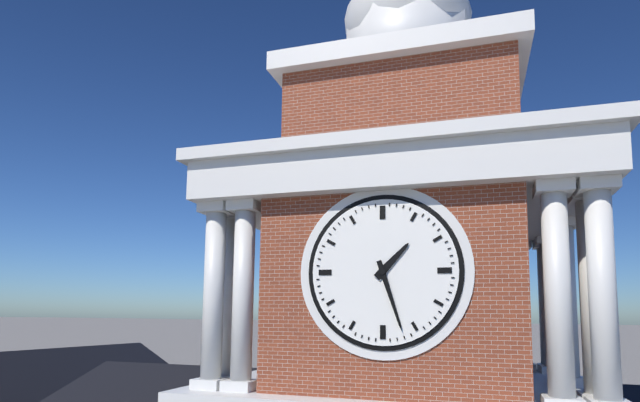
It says **1:27**
